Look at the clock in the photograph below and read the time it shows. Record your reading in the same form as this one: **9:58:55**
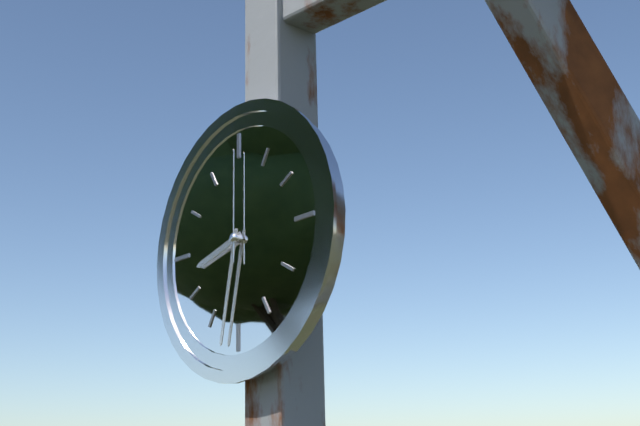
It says **8:32:00**
